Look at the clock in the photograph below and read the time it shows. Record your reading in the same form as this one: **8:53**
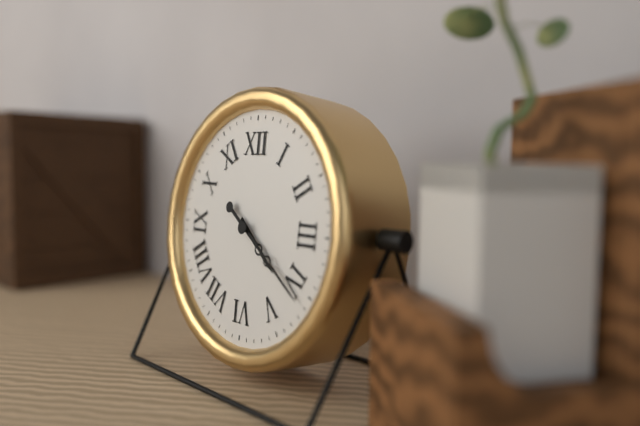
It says **4:21**
